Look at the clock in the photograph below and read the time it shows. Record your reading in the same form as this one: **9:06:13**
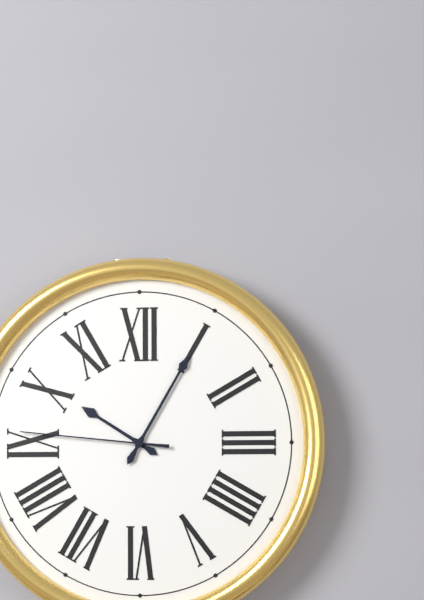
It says **10:05:46**
